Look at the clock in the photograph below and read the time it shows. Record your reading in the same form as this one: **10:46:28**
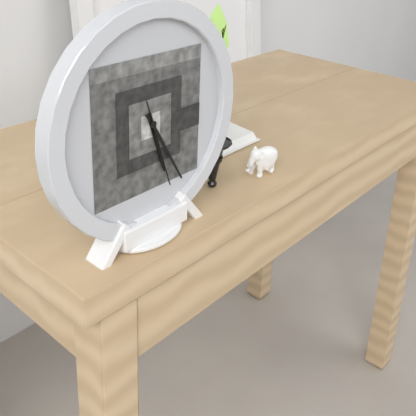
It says **5:25:27**
